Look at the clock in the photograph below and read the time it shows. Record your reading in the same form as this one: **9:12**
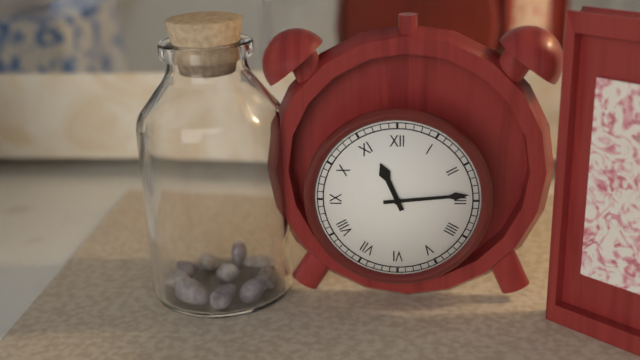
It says **11:14**
